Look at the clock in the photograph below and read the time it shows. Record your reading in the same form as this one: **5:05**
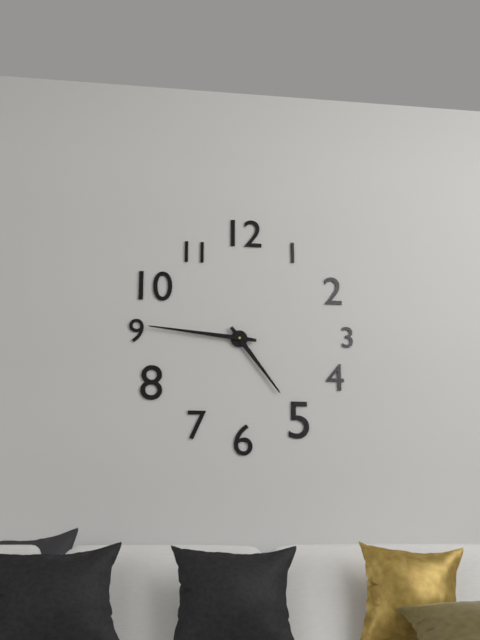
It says **4:46**
